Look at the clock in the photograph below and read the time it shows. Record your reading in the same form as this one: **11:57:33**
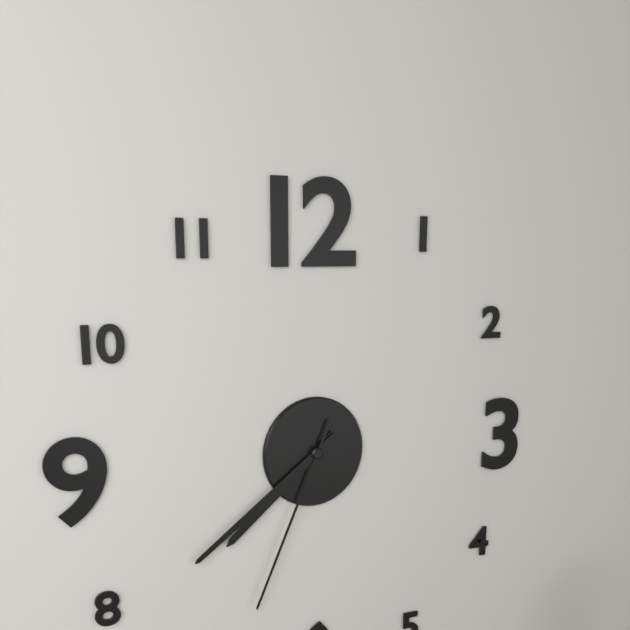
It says **7:39:34**
